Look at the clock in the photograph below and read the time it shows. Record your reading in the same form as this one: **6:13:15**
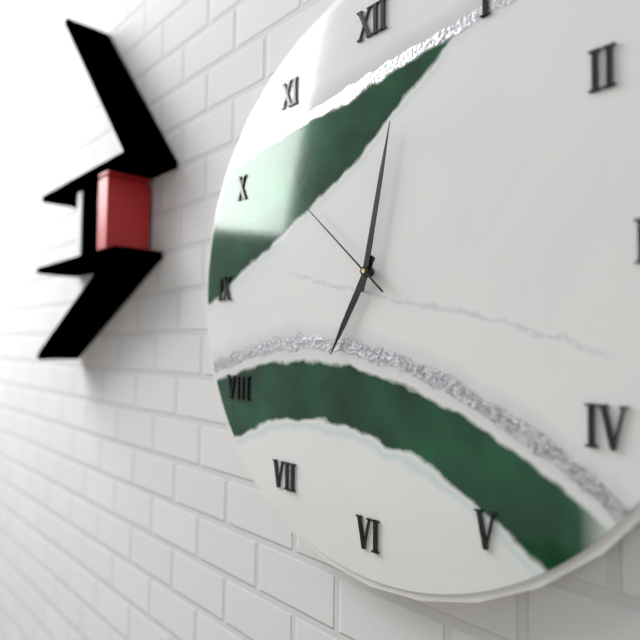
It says **7:02:52**
